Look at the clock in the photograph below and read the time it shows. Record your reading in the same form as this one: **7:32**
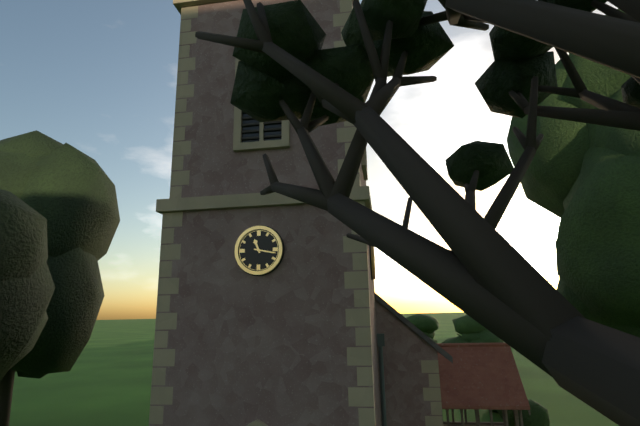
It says **11:17**
